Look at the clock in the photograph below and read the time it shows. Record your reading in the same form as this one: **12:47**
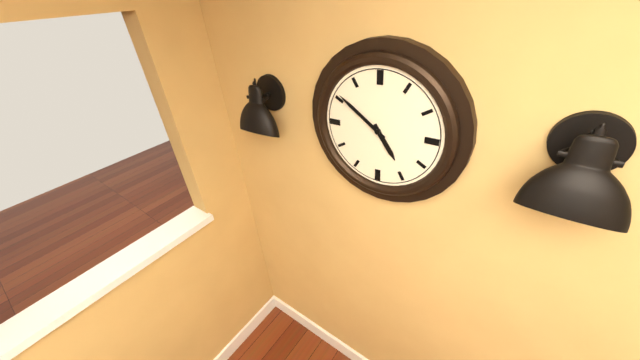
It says **4:51**
